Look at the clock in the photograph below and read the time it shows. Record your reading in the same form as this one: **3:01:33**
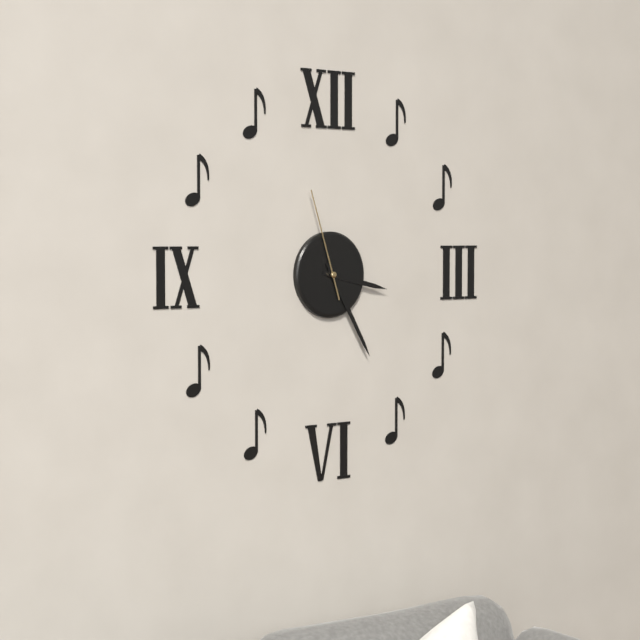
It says **3:25:57**
